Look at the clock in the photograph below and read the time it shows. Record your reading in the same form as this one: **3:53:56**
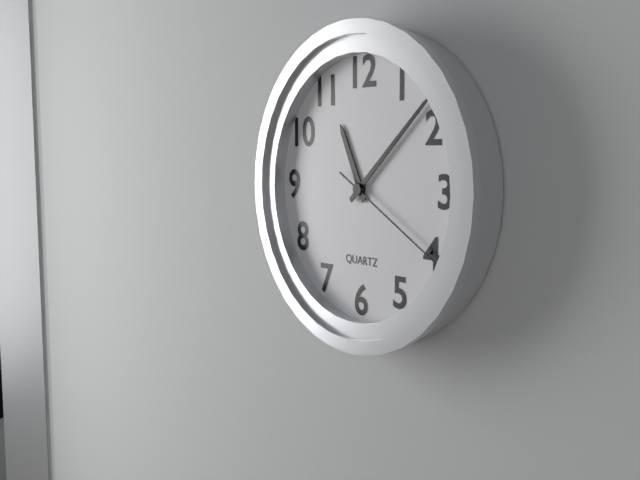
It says **11:08:20**
